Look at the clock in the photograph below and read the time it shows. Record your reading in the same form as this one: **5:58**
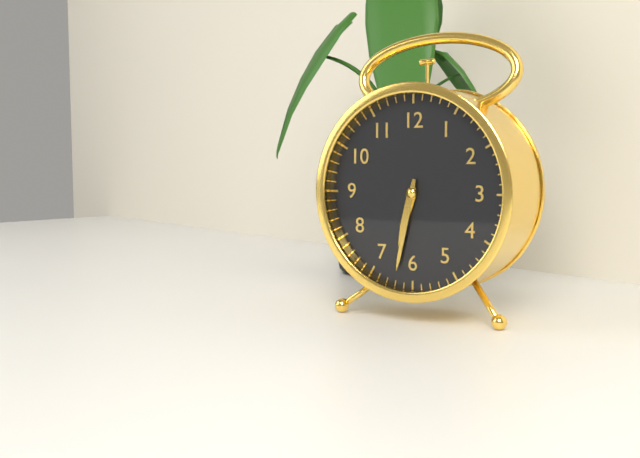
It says **6:32**
